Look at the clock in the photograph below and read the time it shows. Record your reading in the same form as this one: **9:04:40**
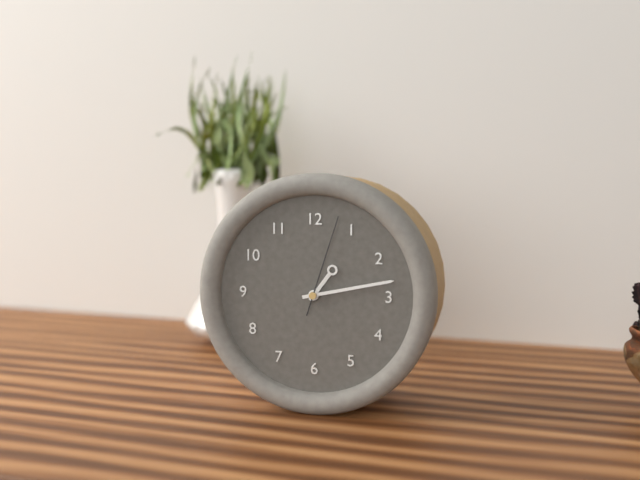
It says **1:13:03**
